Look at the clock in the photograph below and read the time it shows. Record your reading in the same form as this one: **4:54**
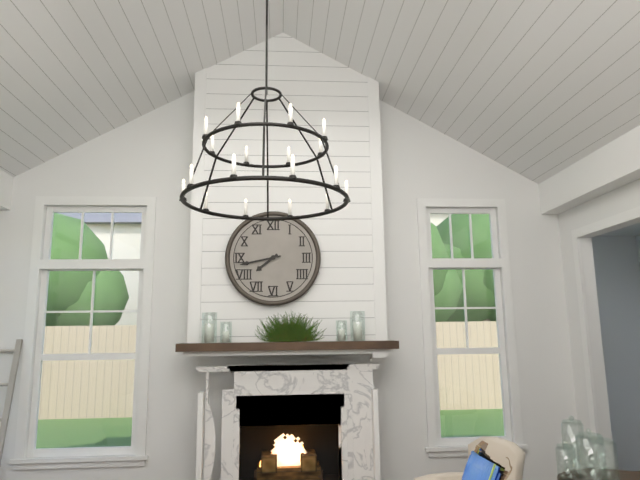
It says **7:43**
